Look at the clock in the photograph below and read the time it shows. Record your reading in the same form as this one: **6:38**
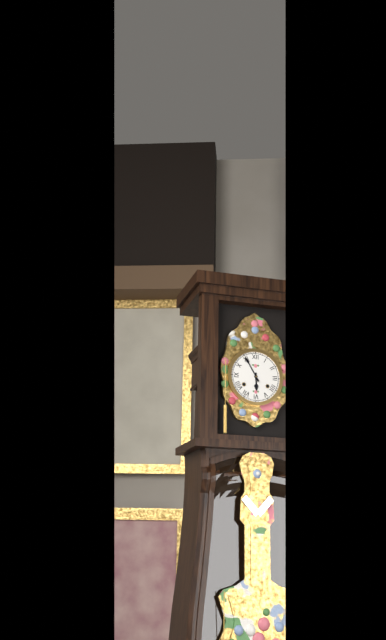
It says **5:55**
